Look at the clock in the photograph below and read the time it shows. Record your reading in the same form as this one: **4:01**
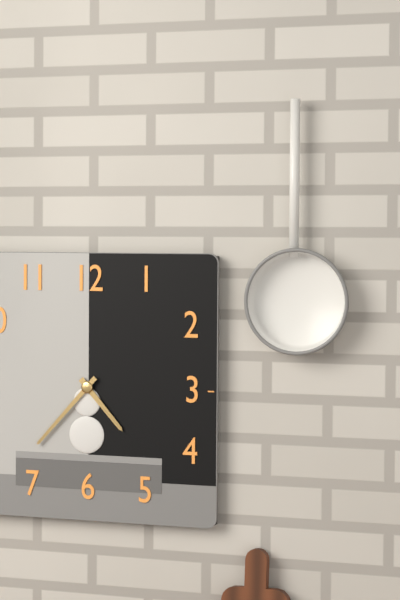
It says **4:37**
